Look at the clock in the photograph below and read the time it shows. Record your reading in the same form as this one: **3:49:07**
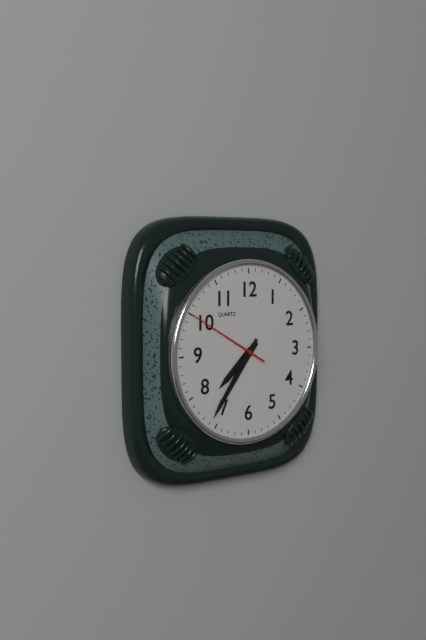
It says **7:36:50**
